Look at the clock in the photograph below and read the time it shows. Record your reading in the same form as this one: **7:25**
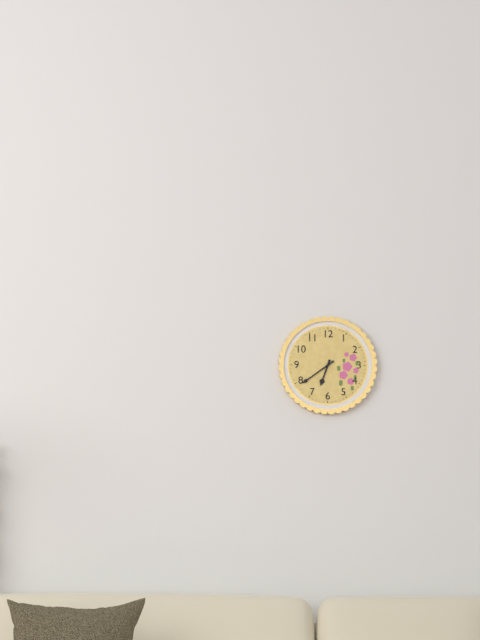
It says **6:39**
